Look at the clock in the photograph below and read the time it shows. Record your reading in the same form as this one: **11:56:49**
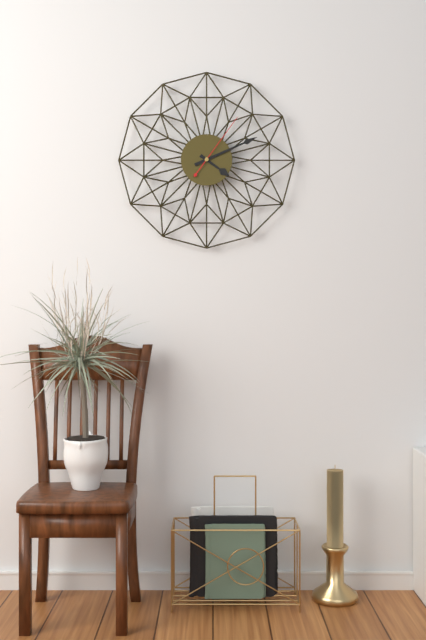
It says **4:11:06**
